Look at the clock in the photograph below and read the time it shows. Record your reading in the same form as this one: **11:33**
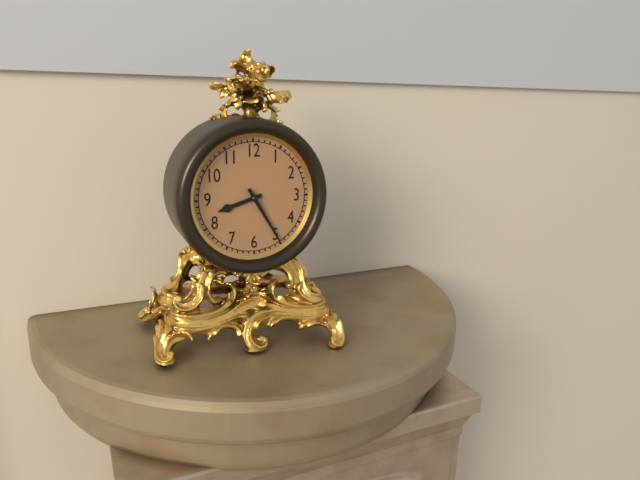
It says **8:25**
